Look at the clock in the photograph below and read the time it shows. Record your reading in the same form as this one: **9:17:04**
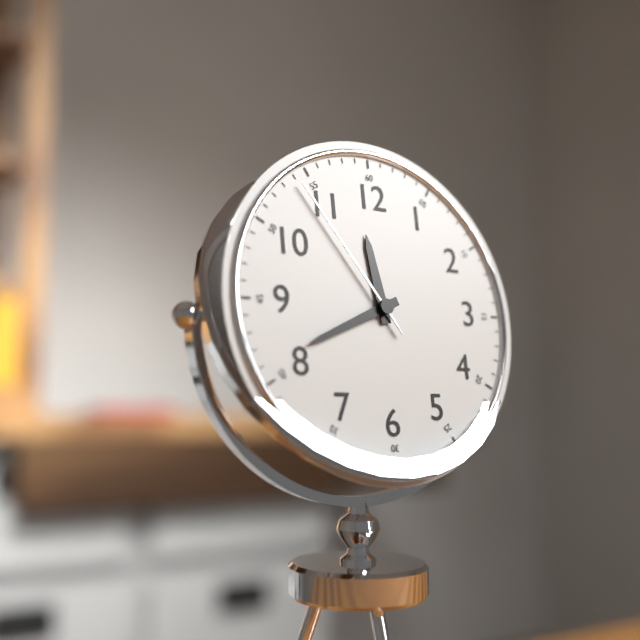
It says **11:41:54**
